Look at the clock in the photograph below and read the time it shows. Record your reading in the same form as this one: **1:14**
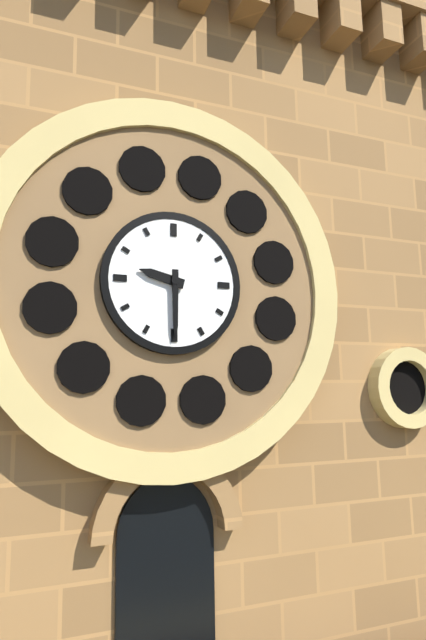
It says **9:30**
